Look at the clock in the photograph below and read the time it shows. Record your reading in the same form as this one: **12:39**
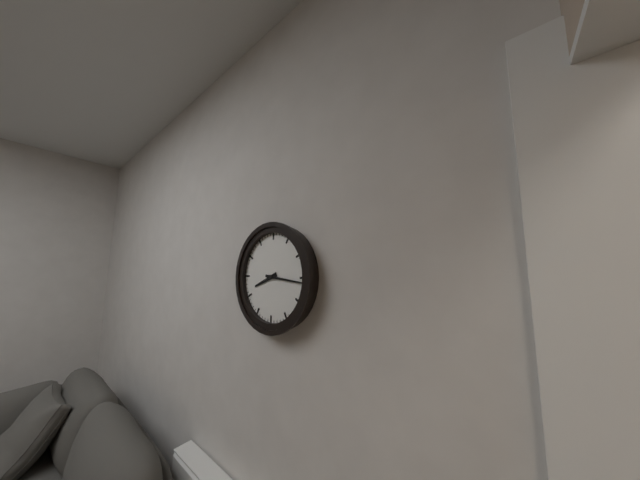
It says **8:16**
